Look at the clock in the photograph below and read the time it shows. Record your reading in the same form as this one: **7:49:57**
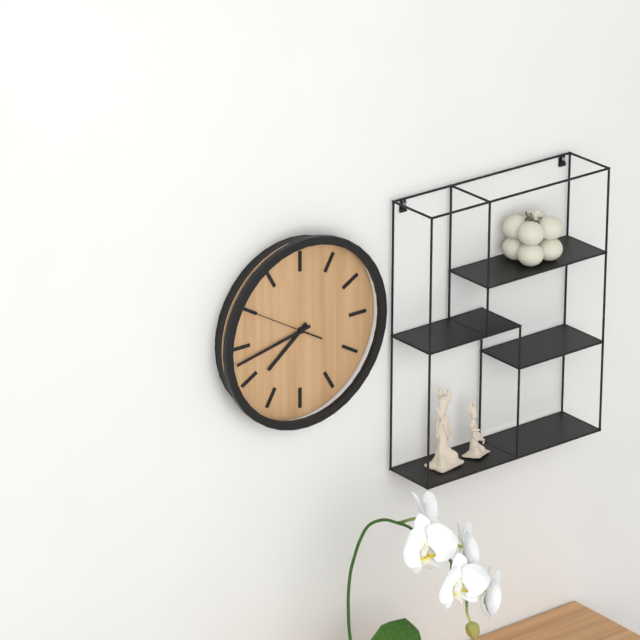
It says **7:43:50**
